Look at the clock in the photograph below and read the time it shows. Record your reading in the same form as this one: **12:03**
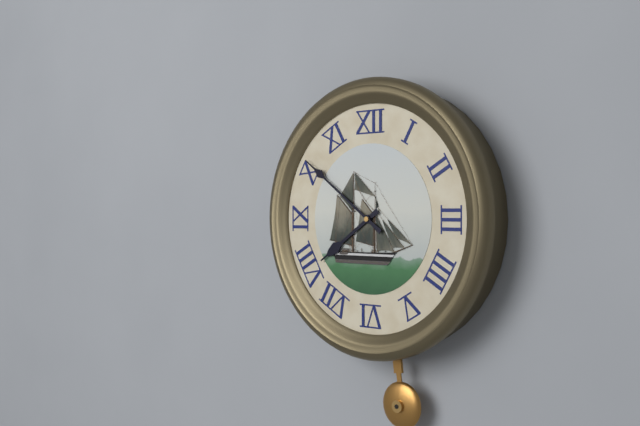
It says **7:51**
